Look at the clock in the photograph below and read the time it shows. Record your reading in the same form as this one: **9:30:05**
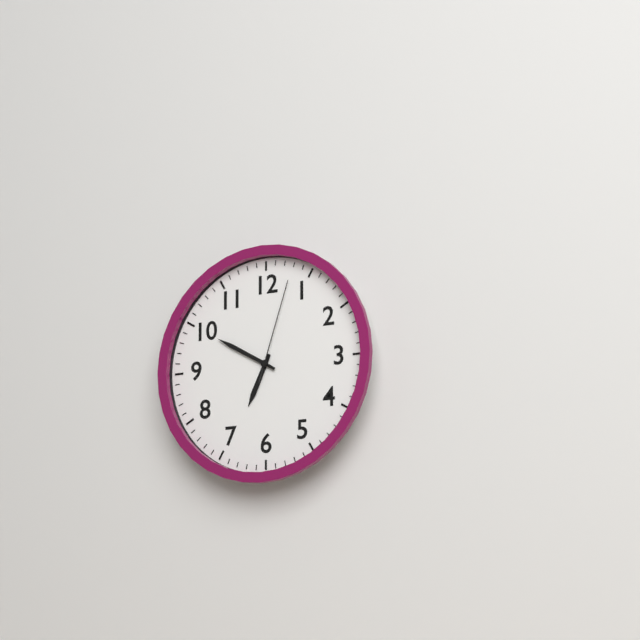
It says **6:50:03**
